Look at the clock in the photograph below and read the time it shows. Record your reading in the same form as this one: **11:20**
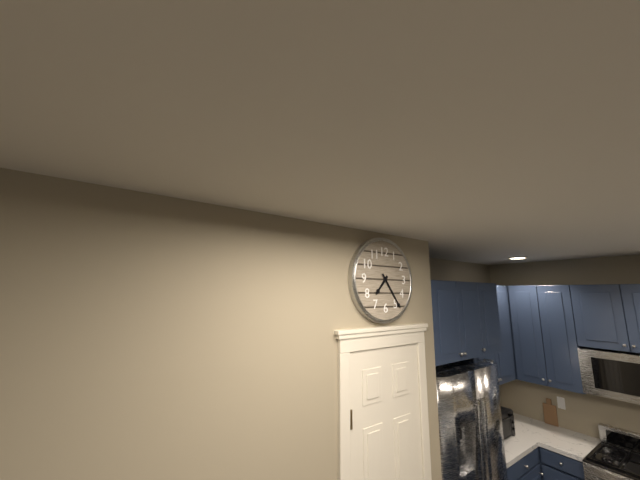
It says **7:24**
